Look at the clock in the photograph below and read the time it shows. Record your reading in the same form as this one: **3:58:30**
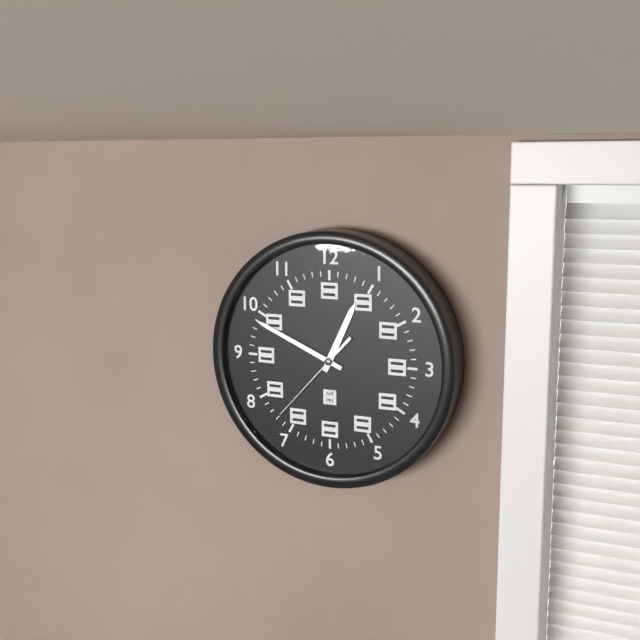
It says **12:49:37**
